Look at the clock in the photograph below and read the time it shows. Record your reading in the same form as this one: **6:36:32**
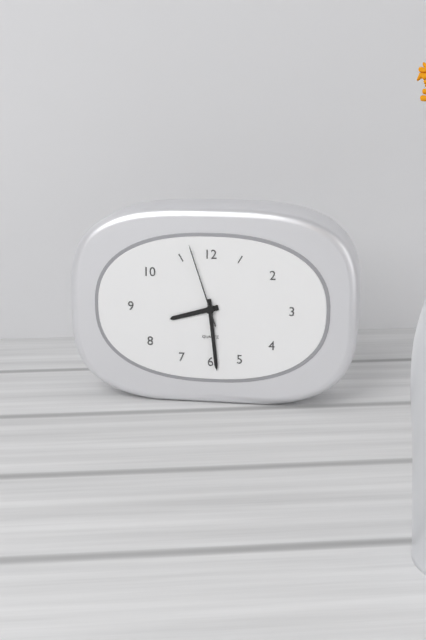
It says **8:29:57**
